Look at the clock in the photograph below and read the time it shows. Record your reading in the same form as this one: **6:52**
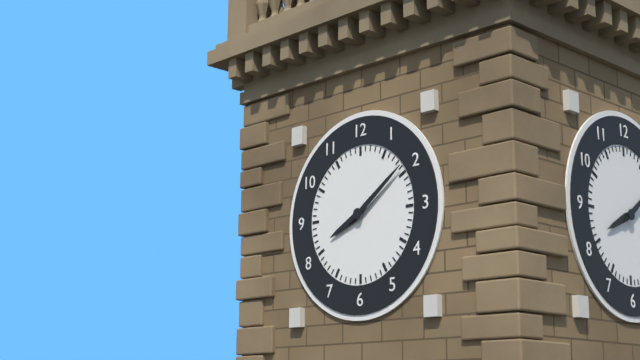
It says **8:09**
